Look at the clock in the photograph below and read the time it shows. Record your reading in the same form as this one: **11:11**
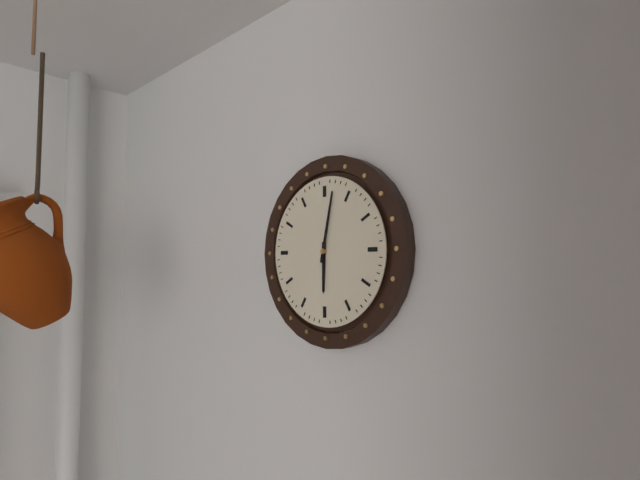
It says **6:02**
